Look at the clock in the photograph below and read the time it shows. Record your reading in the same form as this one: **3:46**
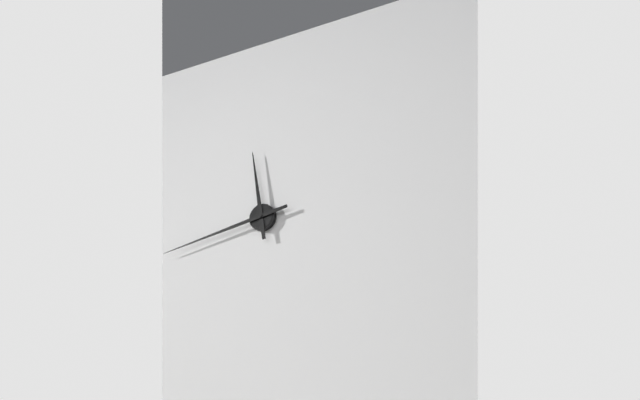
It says **11:43**
